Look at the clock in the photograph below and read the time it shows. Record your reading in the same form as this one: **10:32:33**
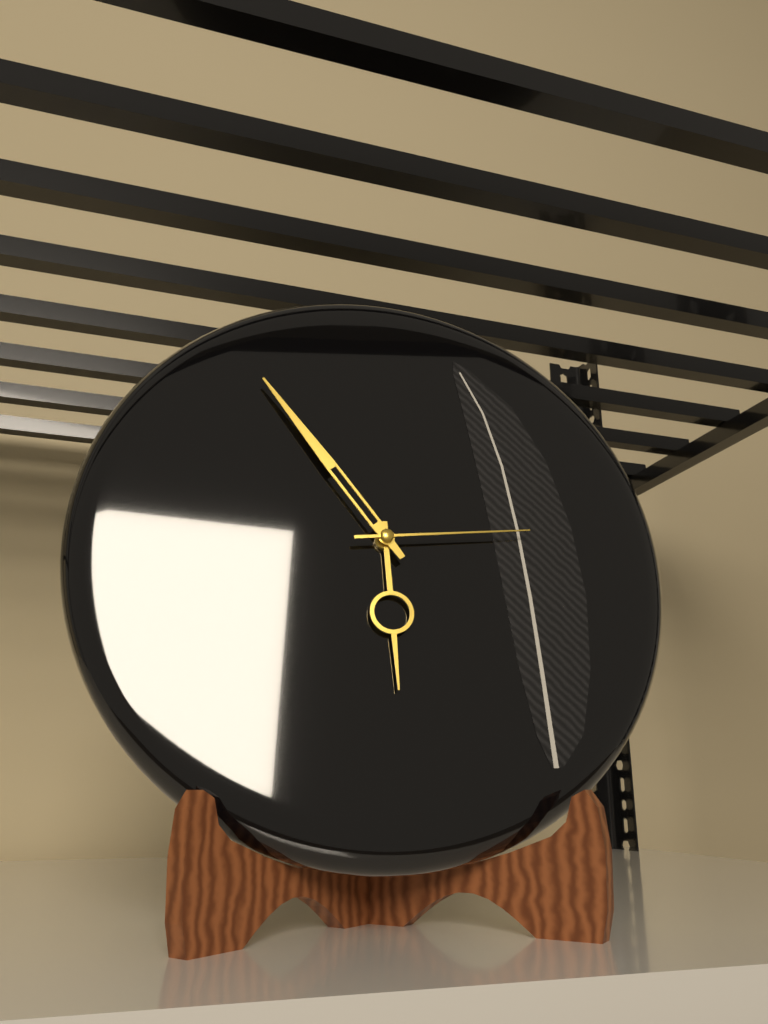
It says **5:54:14**
